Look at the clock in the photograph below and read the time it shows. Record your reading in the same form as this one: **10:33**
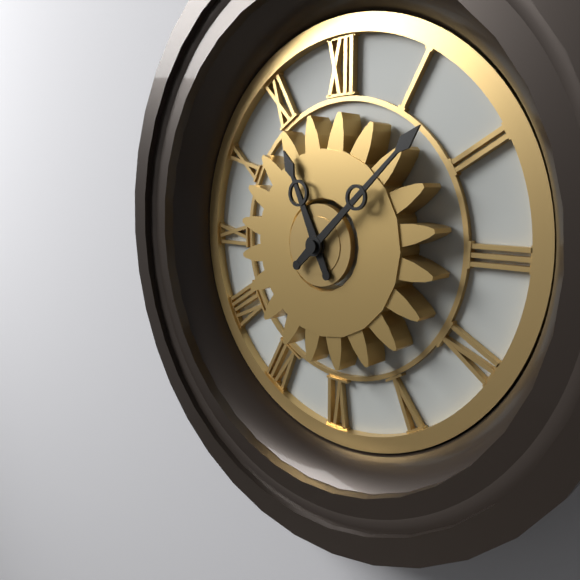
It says **11:08**
